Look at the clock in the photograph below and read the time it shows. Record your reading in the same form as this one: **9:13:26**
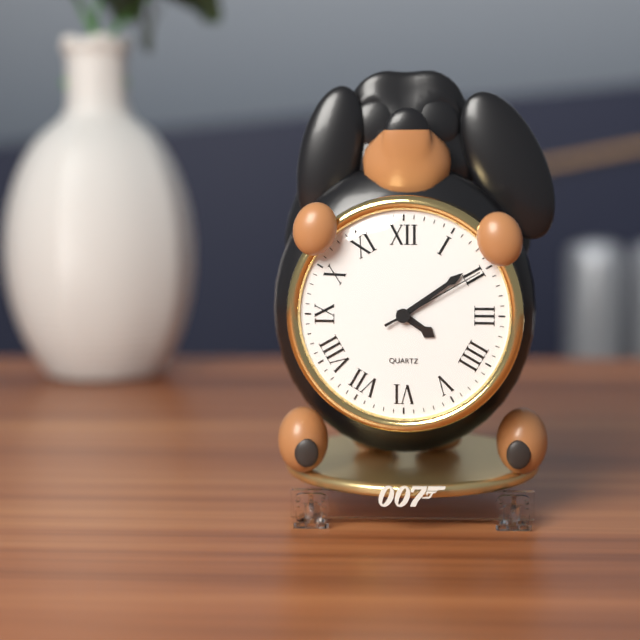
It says **4:09:10**
